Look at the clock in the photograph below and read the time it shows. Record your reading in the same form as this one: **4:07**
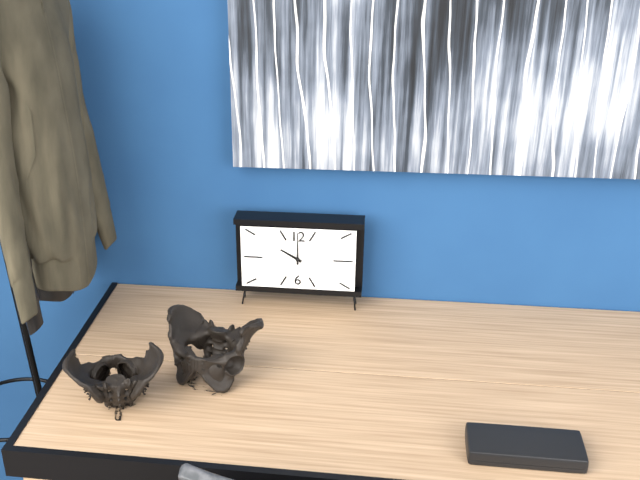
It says **10:00**
